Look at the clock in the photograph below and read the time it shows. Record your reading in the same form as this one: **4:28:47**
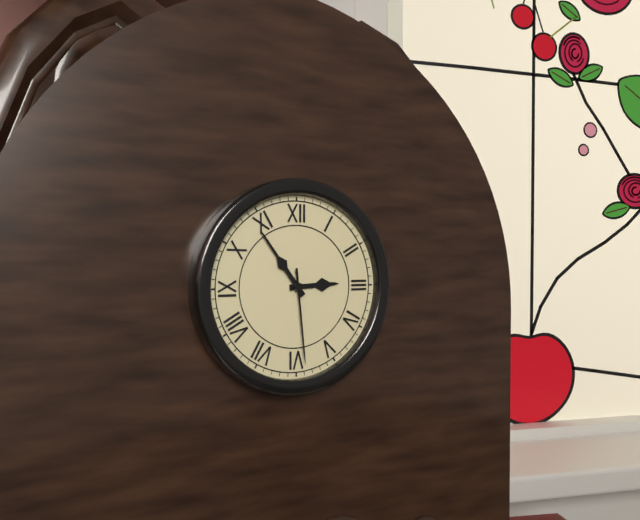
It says **2:54:29**
